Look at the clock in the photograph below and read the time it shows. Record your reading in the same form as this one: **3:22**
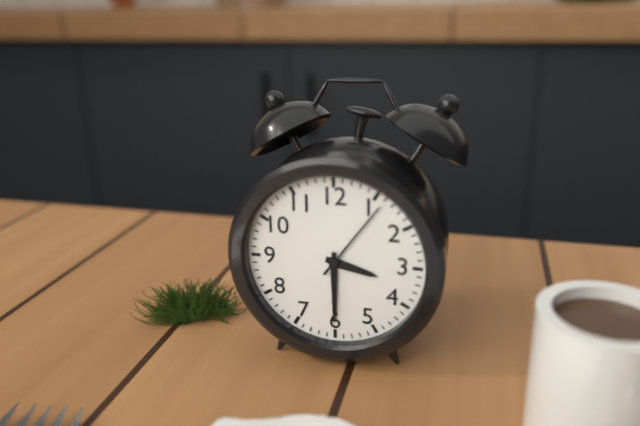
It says **3:30**
